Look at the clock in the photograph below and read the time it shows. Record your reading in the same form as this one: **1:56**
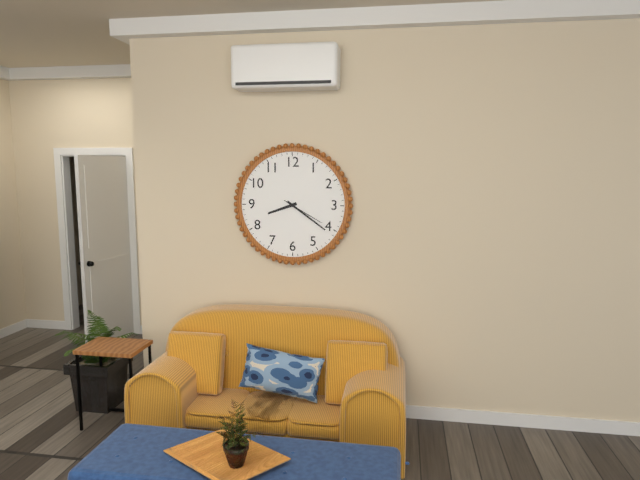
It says **8:21**
